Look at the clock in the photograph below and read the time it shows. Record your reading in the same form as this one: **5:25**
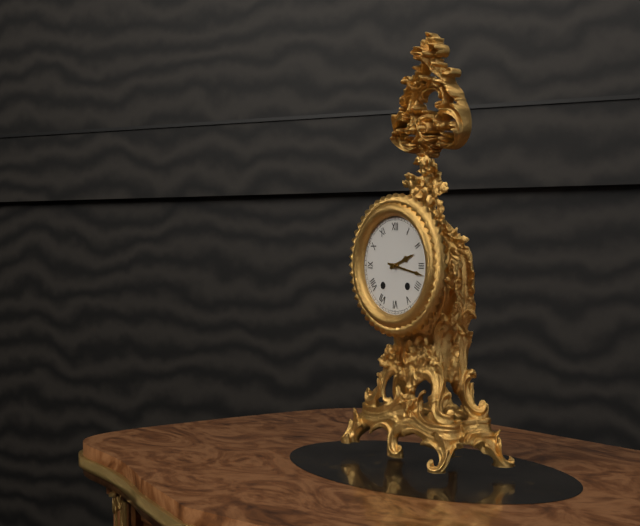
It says **2:17**
